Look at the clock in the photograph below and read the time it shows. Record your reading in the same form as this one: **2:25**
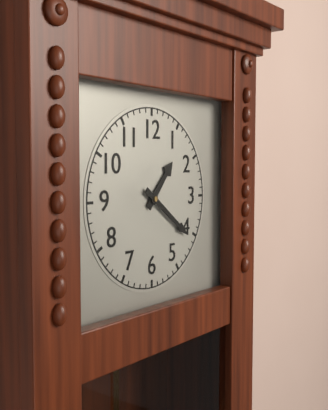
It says **1:21**
